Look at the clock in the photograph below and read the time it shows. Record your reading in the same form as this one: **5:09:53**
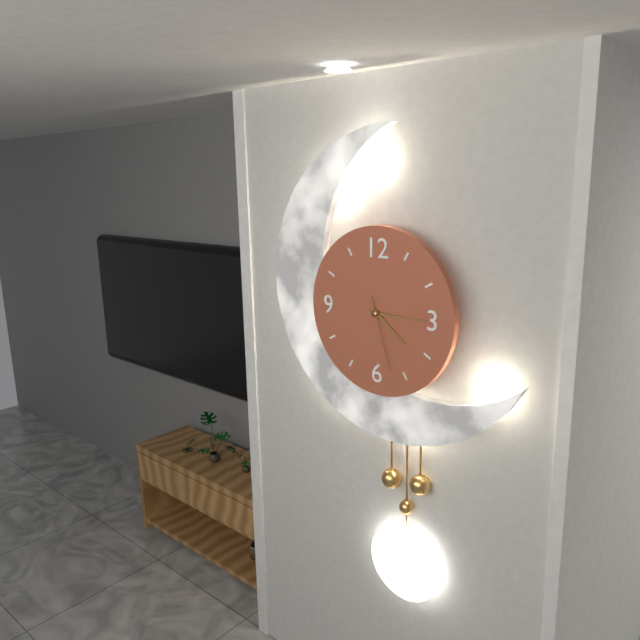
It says **4:15:27**
